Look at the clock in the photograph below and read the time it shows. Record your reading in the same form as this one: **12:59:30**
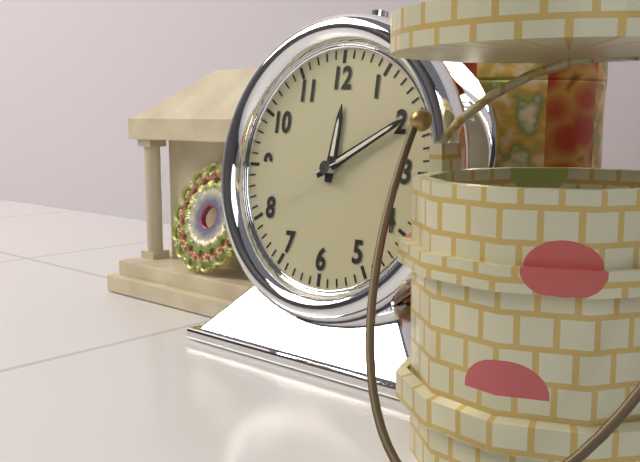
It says **12:10:41**
